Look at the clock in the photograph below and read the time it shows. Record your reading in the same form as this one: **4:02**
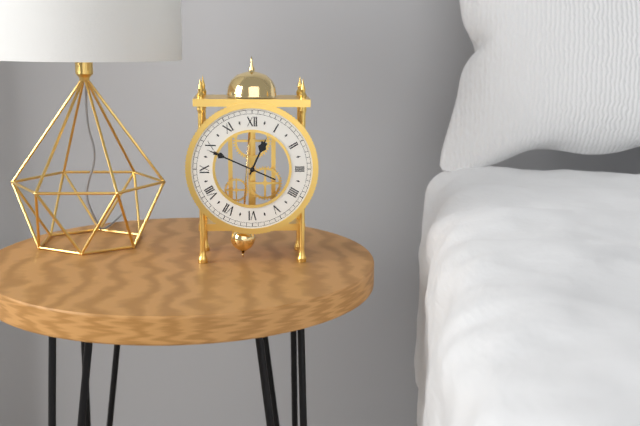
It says **12:49**
